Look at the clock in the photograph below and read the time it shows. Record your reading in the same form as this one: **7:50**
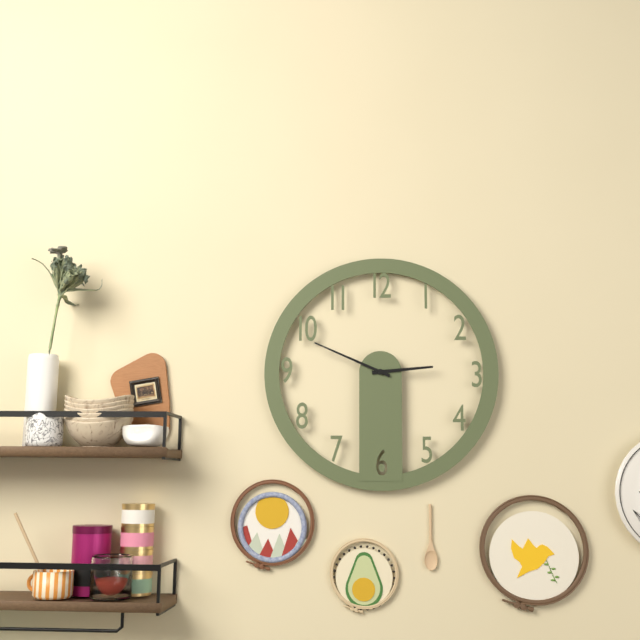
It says **2:49**
